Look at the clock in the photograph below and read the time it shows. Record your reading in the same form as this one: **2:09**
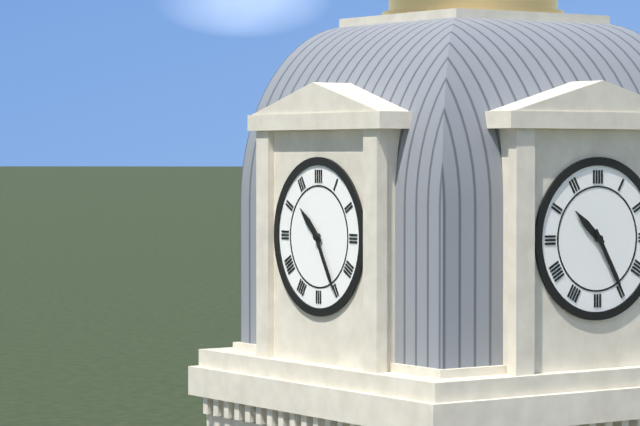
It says **10:25**
